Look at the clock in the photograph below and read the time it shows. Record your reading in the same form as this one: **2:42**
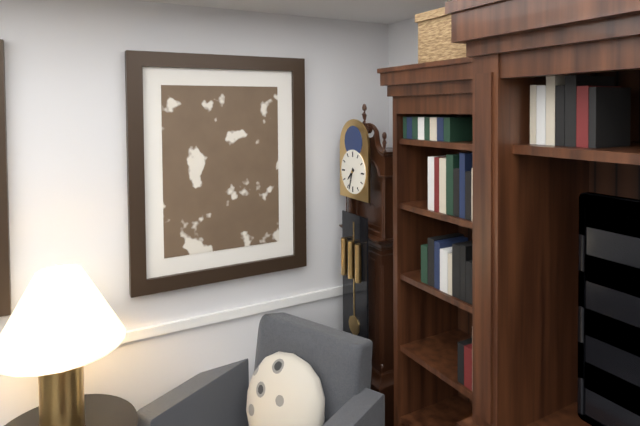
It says **7:33**
